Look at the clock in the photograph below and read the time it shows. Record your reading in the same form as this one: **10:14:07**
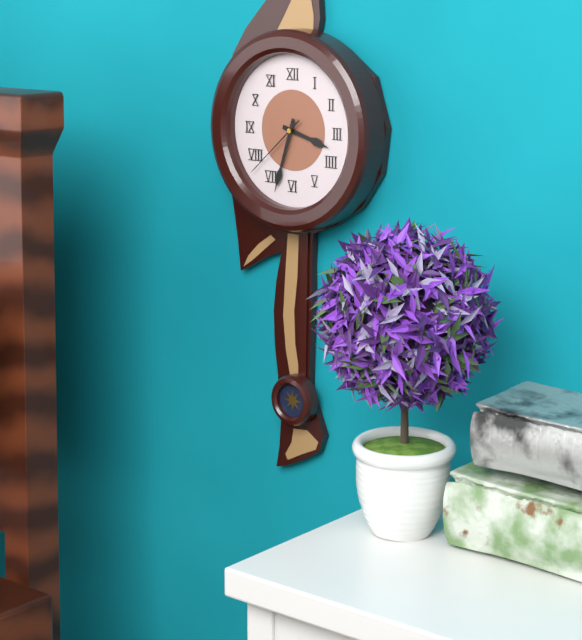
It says **3:33:38**
